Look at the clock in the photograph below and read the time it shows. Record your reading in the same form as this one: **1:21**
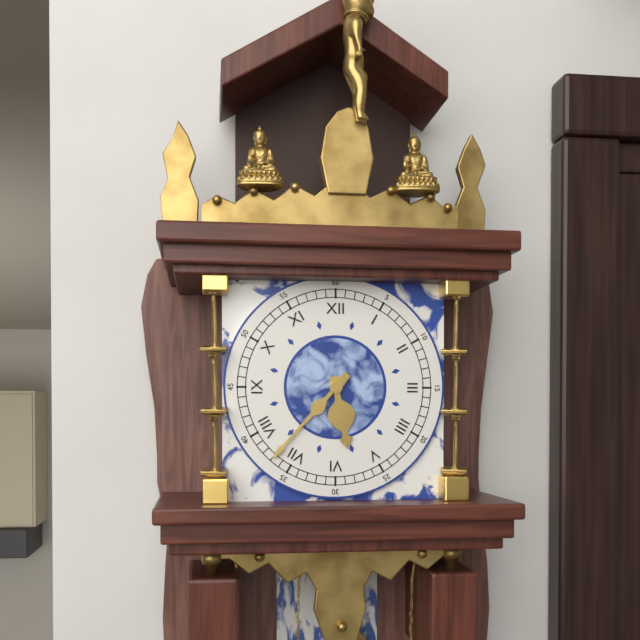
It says **5:37**
